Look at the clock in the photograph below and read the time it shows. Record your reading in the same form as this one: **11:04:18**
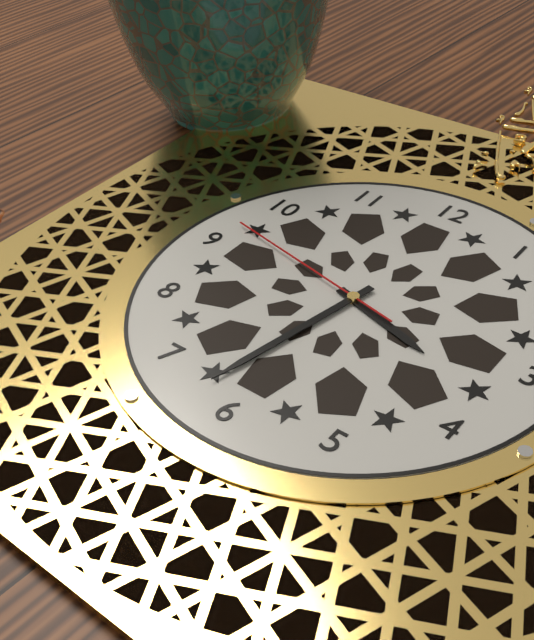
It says **3:32:47**
